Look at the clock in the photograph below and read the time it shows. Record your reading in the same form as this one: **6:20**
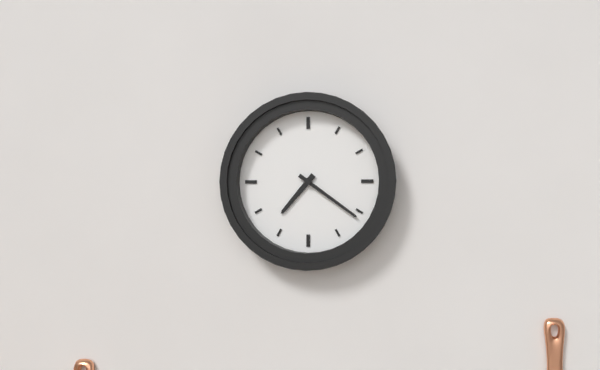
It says **7:21**
